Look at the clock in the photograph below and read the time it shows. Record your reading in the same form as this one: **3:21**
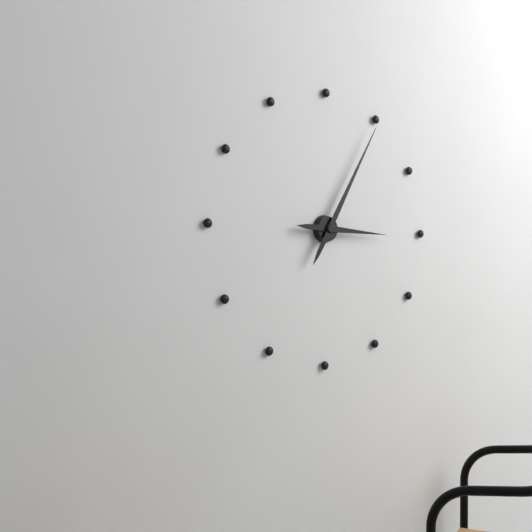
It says **3:05**
